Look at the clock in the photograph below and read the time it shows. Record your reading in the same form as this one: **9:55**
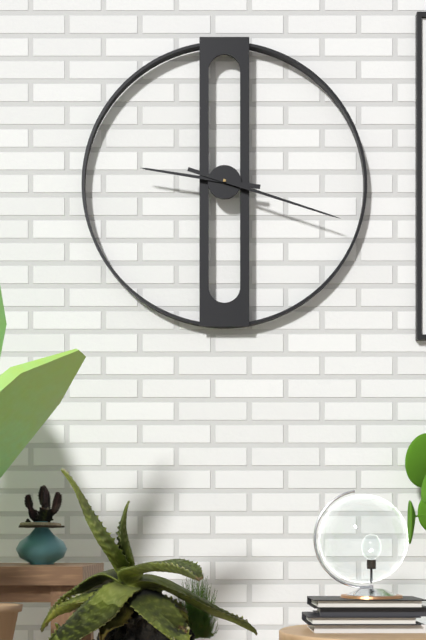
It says **9:18**
